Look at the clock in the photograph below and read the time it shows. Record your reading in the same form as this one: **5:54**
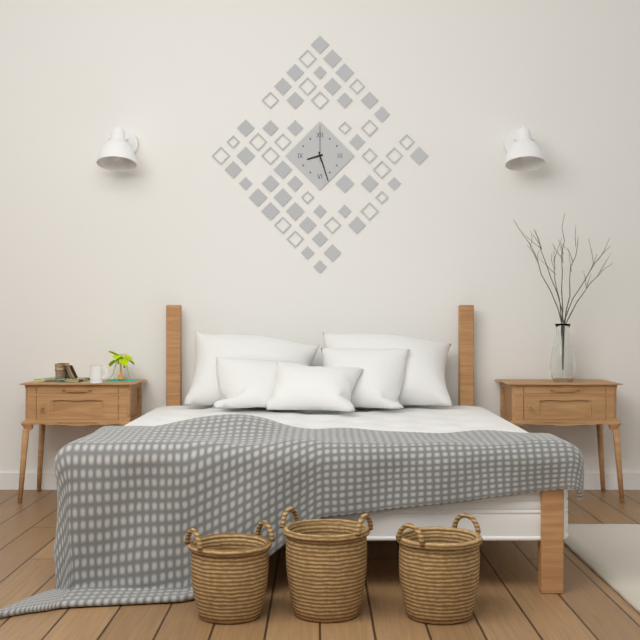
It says **8:27**
